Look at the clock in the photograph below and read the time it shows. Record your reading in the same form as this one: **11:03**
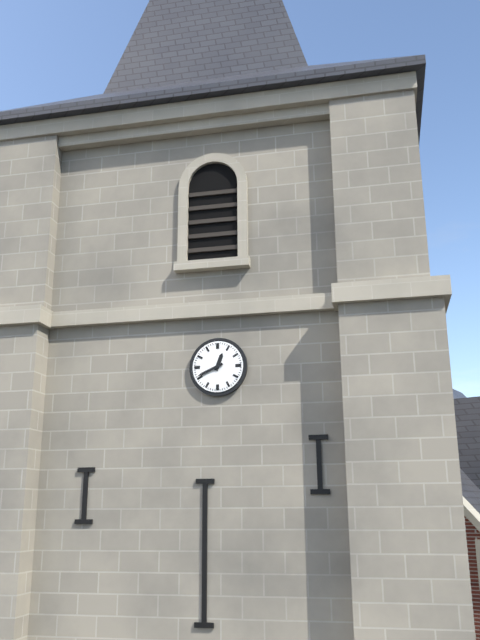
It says **12:41**
